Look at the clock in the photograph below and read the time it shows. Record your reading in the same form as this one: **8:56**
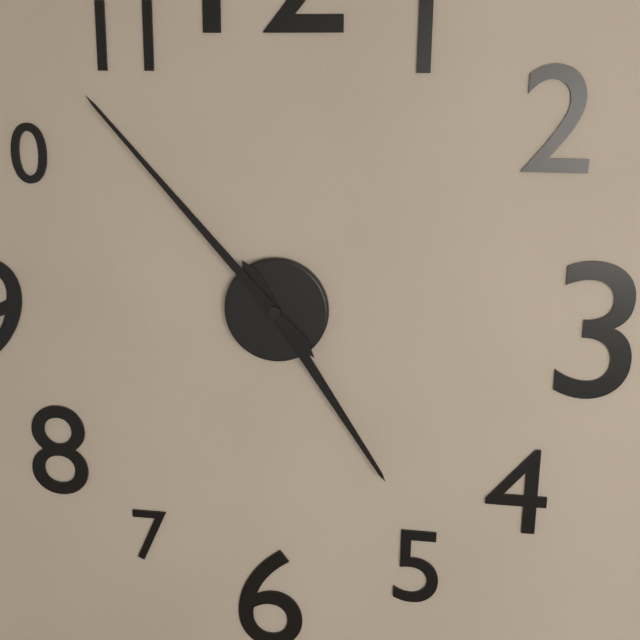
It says **4:53**
